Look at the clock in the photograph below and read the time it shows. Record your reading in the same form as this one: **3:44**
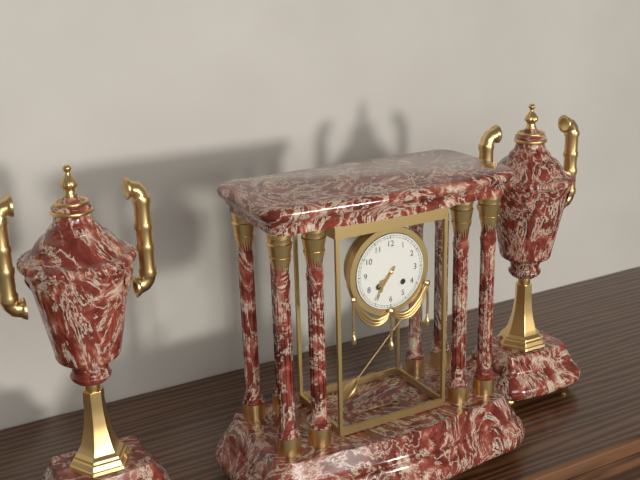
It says **7:36**
